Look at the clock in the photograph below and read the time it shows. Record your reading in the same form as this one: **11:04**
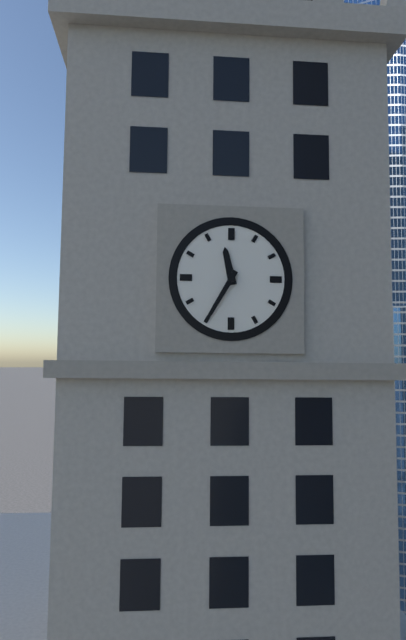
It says **11:35**
